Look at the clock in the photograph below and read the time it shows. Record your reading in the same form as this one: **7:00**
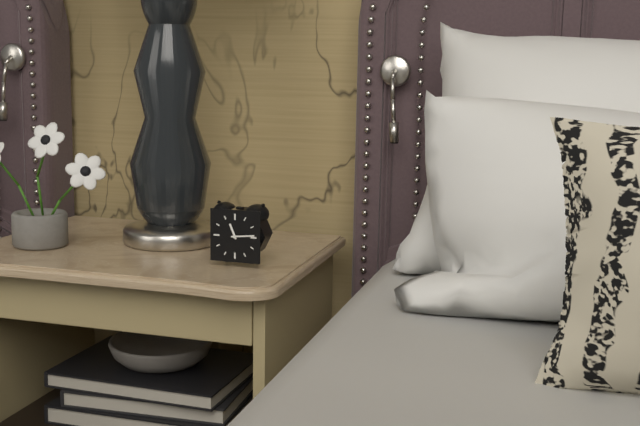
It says **11:14**
